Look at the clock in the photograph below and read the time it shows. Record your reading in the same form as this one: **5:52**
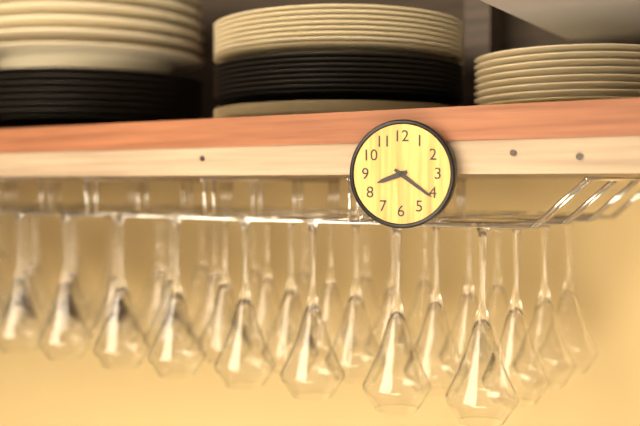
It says **8:21**
